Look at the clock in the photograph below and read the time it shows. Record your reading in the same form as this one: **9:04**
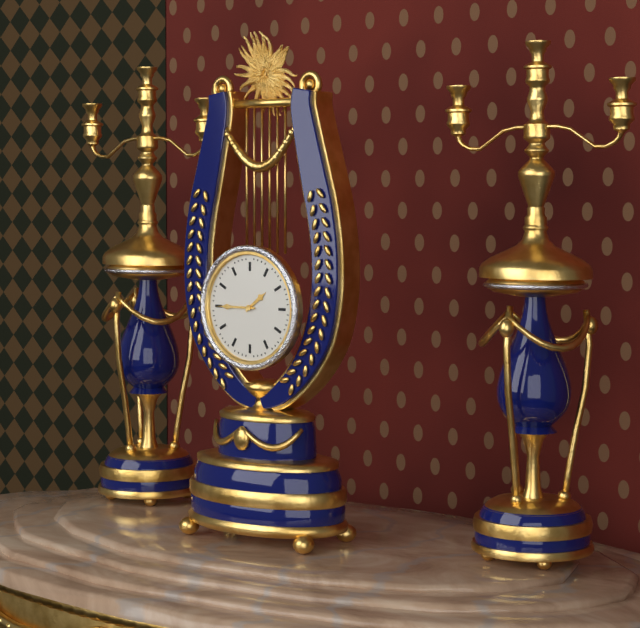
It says **1:45**
